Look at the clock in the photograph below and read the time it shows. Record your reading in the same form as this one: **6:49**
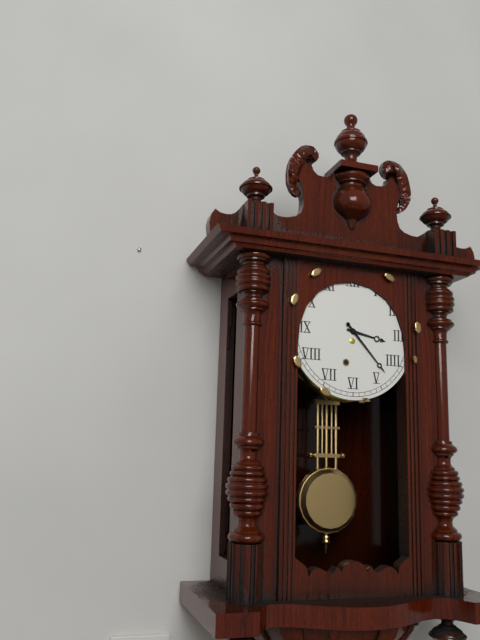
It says **3:23**
